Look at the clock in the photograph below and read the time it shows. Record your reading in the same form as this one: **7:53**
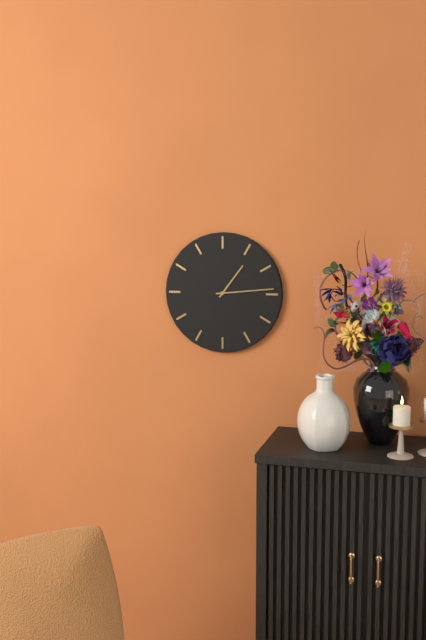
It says **1:14**
